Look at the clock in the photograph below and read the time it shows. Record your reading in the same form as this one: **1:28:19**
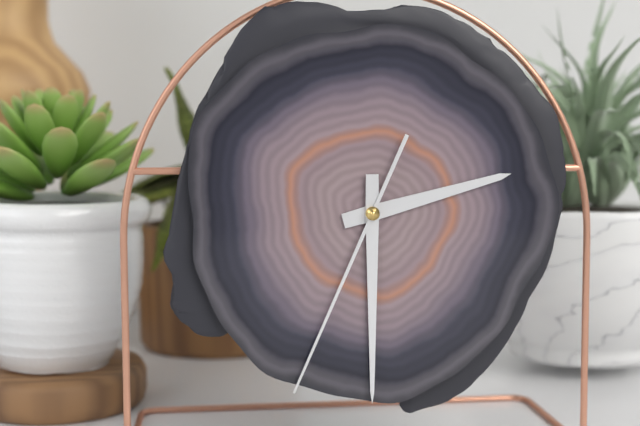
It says **2:30:34**
